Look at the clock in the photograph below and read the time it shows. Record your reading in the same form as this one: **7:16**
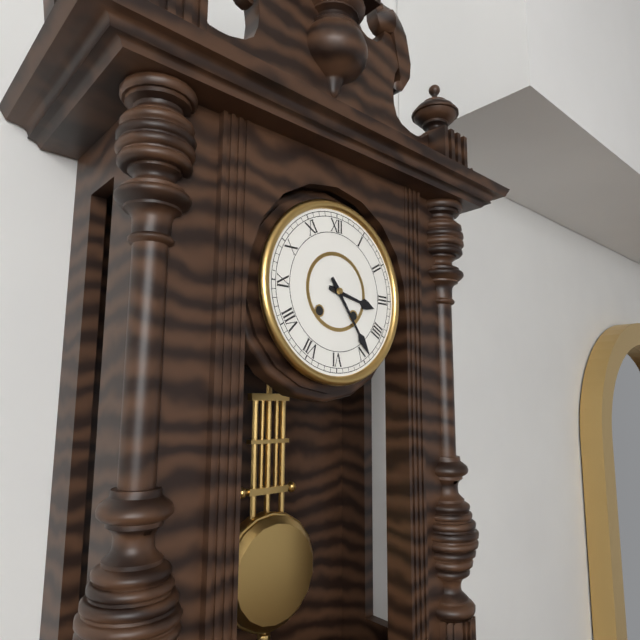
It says **3:24**
